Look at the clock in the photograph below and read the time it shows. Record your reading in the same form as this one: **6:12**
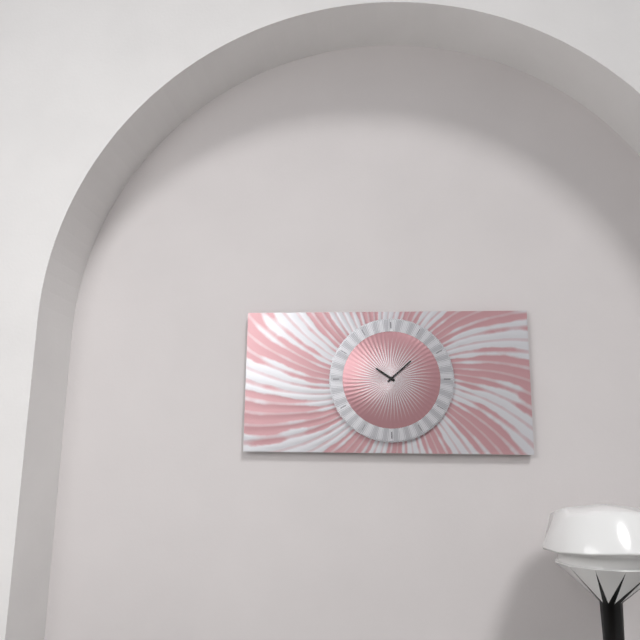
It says **10:08**
